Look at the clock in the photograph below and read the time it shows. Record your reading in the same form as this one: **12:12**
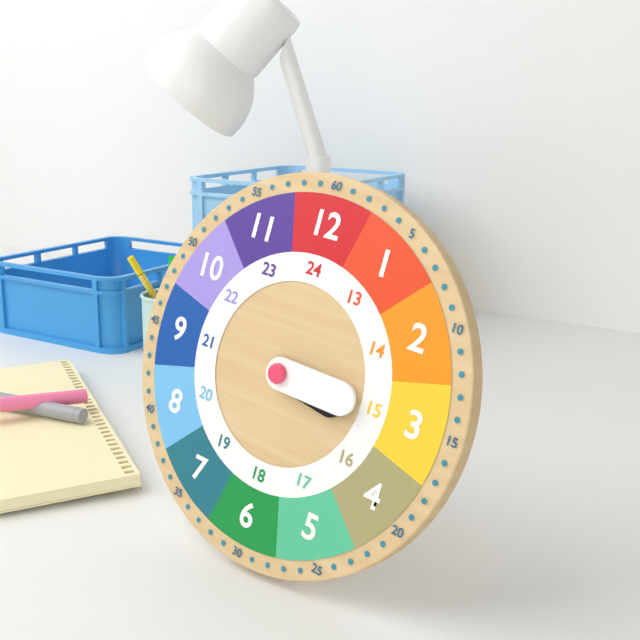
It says **3:15**
